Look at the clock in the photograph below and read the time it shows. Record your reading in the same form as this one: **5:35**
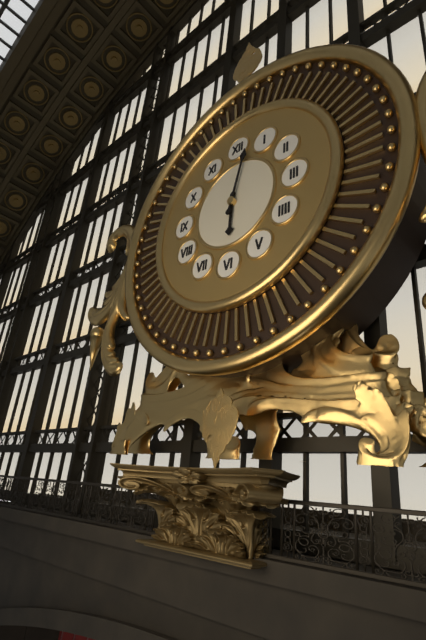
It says **6:02**
